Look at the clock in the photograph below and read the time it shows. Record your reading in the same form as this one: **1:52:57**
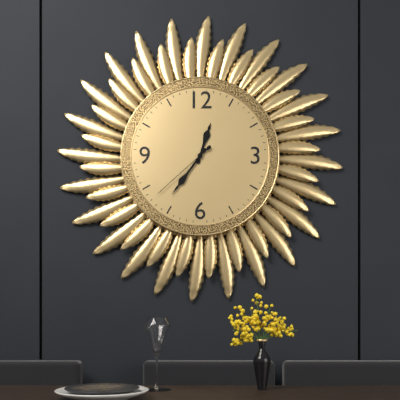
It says **12:36:38**
